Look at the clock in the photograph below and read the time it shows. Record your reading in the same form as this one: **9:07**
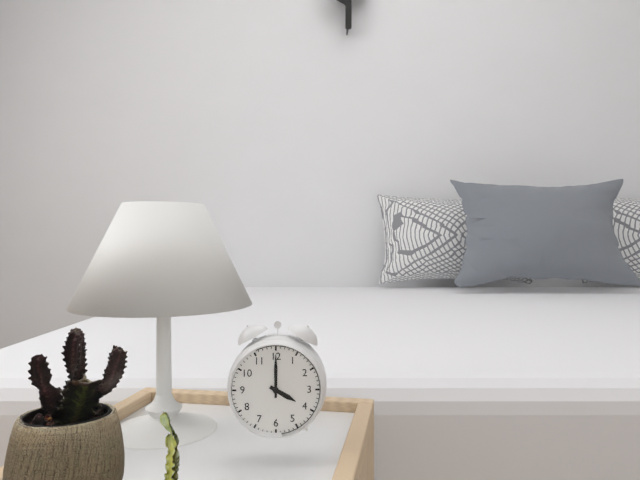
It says **4:00**
